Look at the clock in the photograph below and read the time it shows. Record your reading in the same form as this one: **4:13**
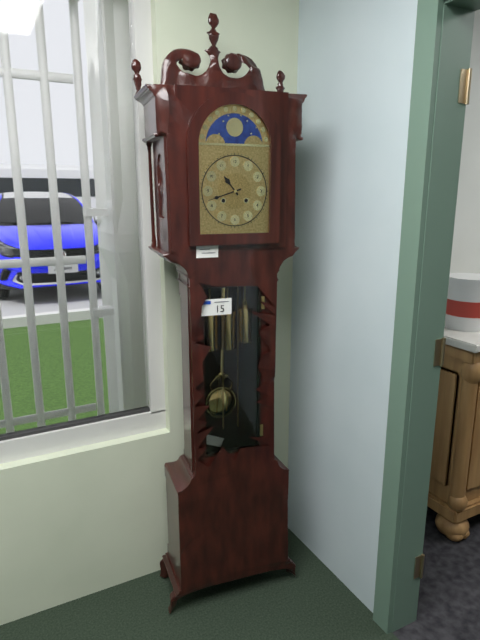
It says **10:42**
